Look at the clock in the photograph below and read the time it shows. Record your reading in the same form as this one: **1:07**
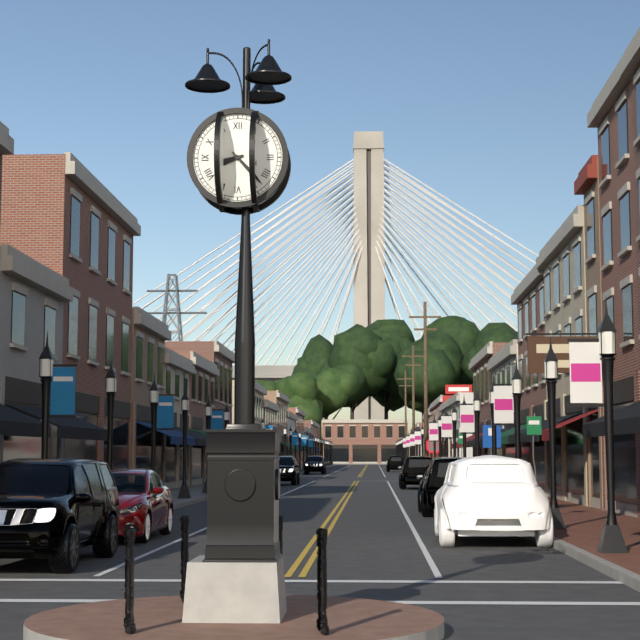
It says **8:23**
